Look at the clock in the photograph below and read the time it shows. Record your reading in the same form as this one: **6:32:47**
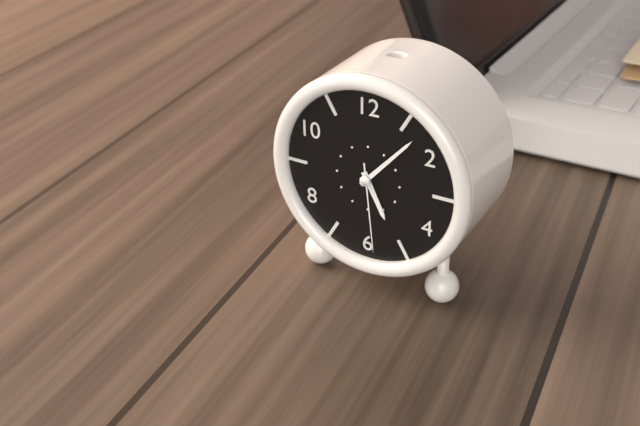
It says **5:07:29**
